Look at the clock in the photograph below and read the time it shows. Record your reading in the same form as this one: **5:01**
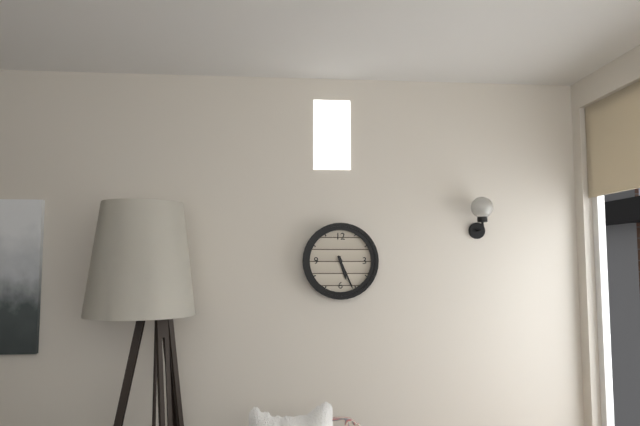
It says **5:26**
